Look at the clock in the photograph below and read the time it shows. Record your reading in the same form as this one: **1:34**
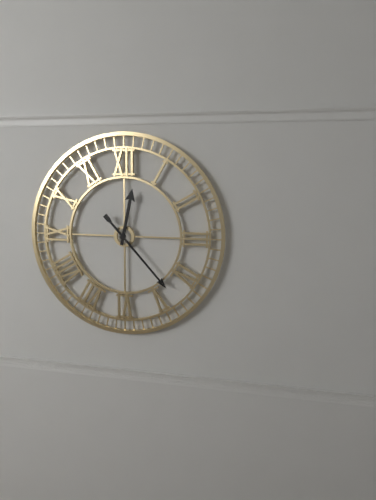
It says **12:23**
